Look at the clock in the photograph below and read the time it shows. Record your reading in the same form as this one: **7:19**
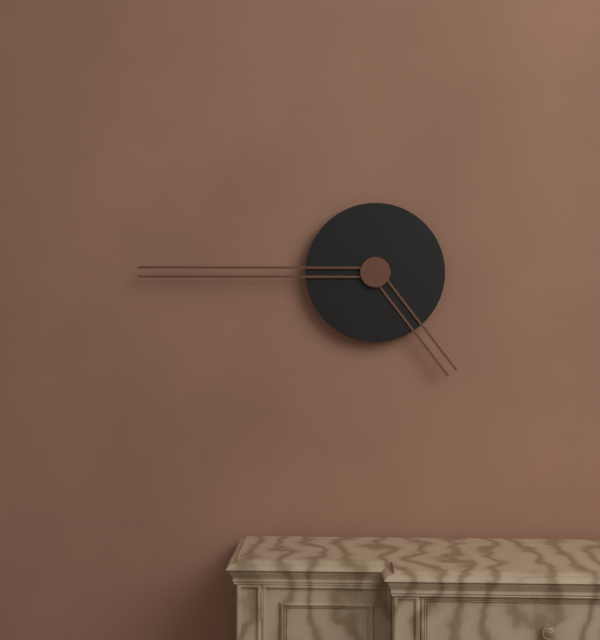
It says **4:45**
